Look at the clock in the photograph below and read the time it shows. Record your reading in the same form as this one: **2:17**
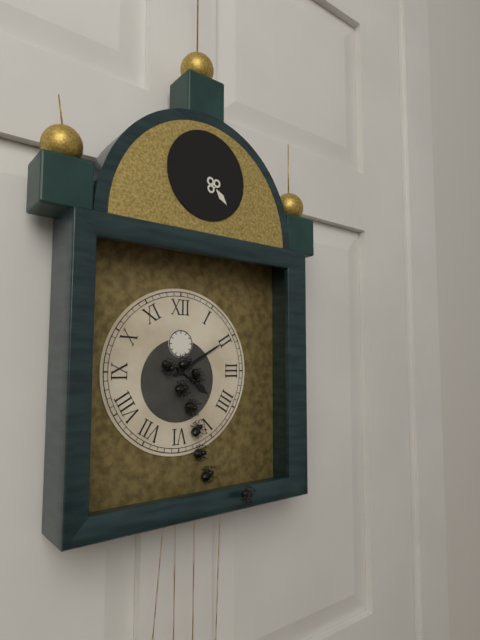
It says **4:10**
